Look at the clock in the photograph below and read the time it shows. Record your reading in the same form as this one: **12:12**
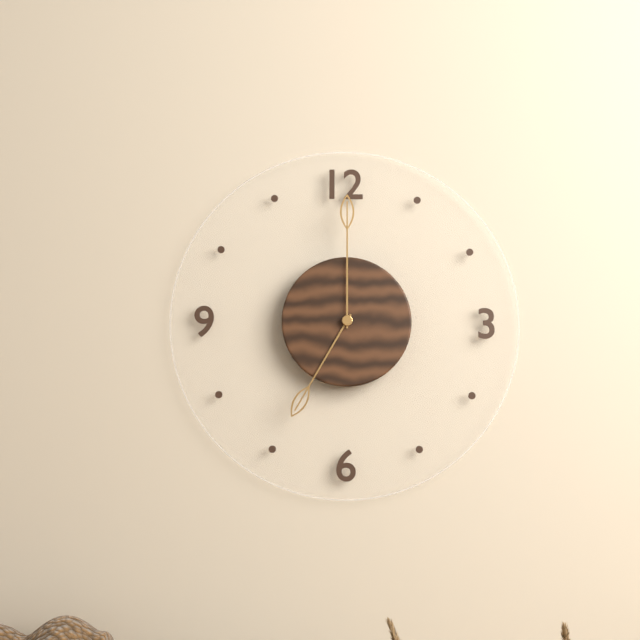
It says **7:00**
